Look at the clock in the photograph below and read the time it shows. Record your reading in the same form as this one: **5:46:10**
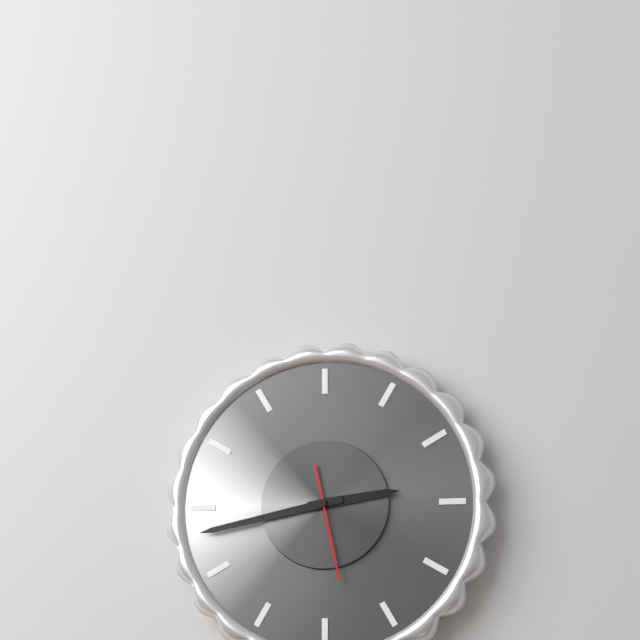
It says **2:43:28**
